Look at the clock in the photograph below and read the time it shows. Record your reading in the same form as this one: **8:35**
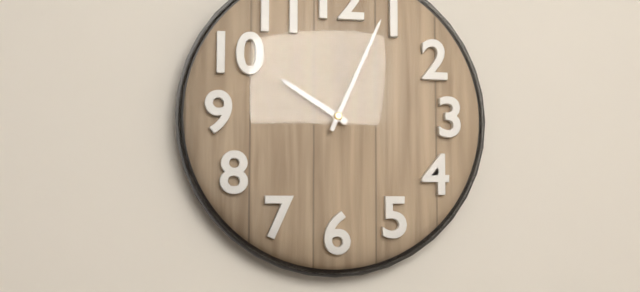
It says **10:04**
